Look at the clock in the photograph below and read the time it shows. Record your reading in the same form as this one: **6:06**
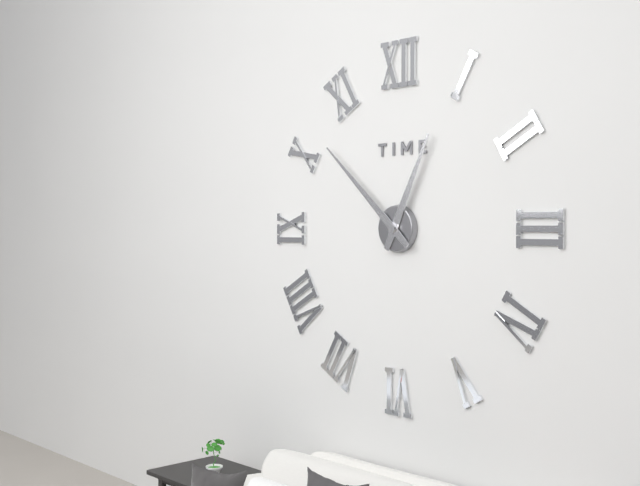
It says **12:52**
